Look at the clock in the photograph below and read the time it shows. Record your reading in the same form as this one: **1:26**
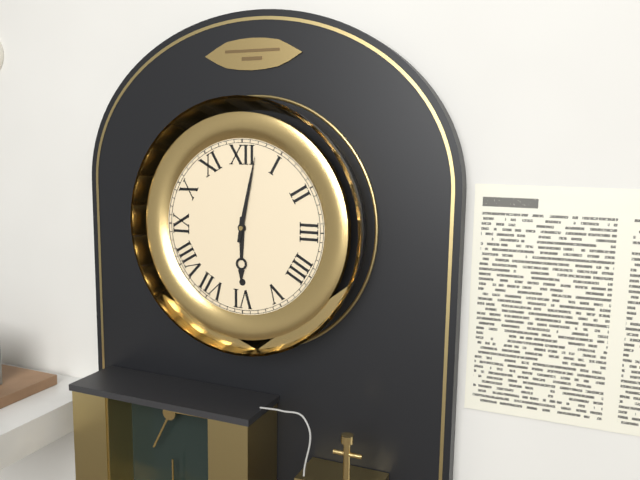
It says **6:02**
